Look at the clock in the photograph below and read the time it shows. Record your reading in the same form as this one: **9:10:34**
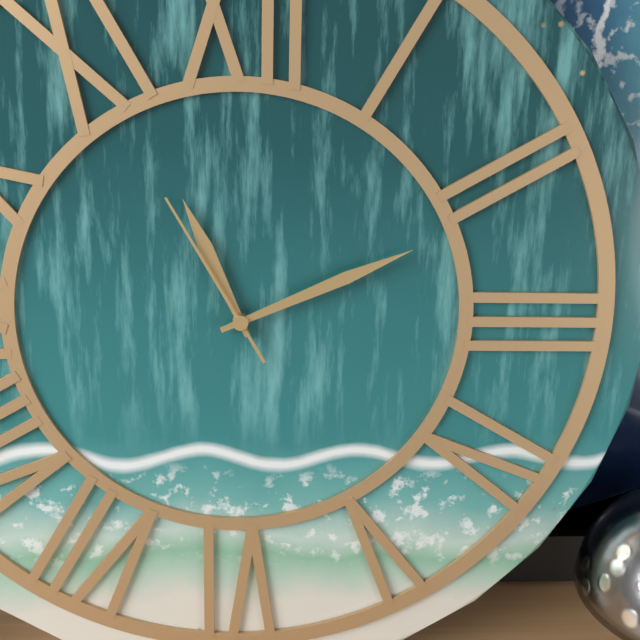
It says **11:11:55**
